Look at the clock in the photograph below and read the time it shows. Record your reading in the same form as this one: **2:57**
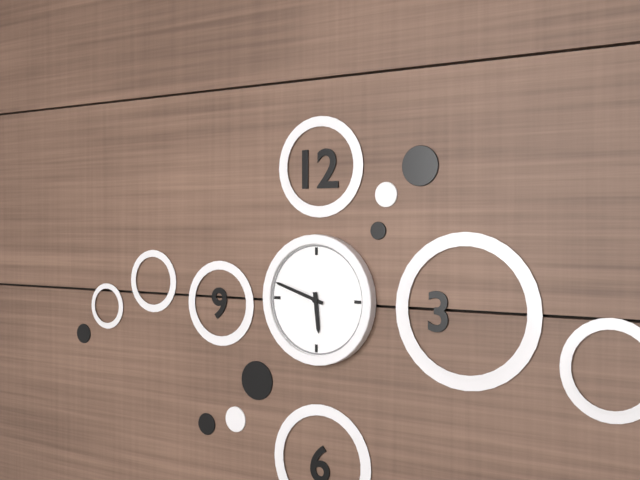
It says **5:48**
